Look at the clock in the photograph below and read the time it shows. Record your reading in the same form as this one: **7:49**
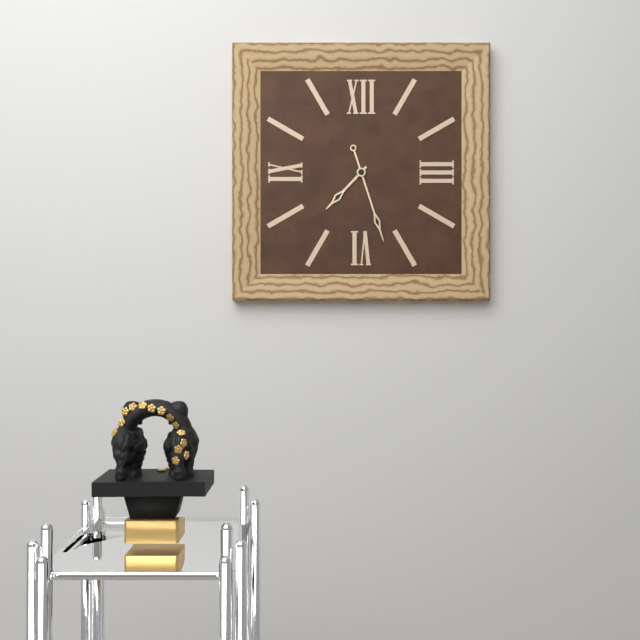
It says **7:27**
